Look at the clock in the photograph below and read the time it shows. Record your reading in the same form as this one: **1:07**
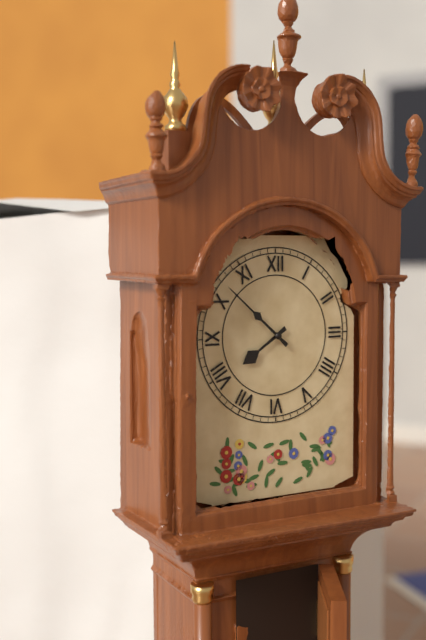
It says **7:52**
